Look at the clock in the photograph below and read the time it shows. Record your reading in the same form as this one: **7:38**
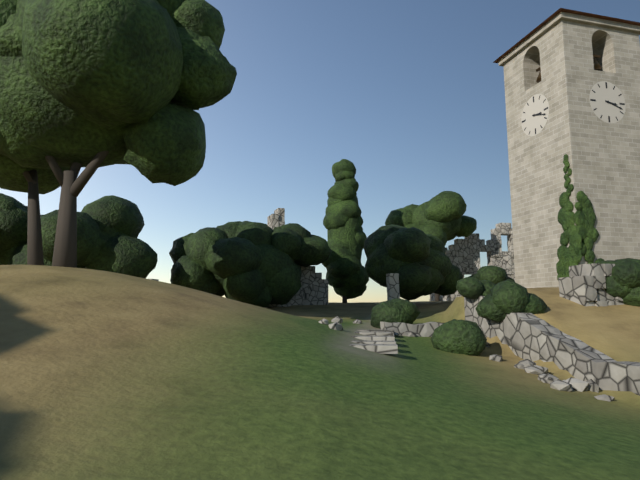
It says **3:18**
